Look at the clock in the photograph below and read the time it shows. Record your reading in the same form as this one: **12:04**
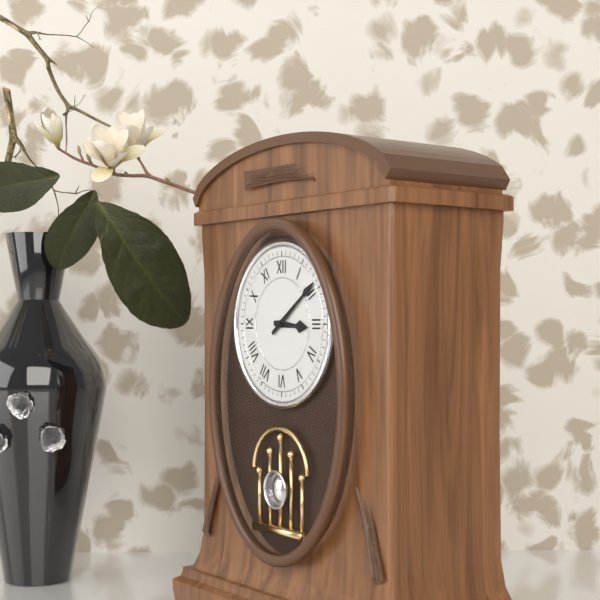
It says **3:09**
